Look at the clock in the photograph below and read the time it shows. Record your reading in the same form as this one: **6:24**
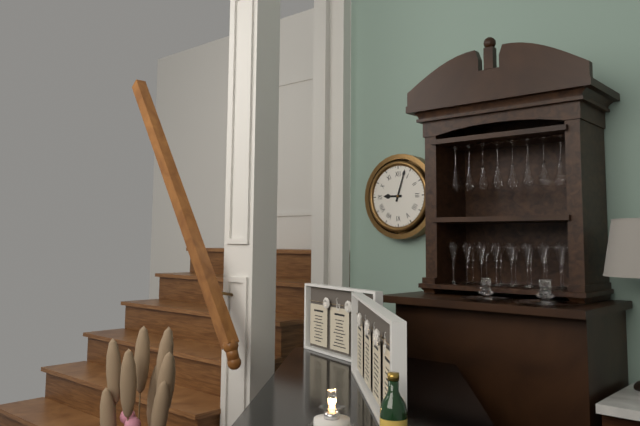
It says **9:03**
